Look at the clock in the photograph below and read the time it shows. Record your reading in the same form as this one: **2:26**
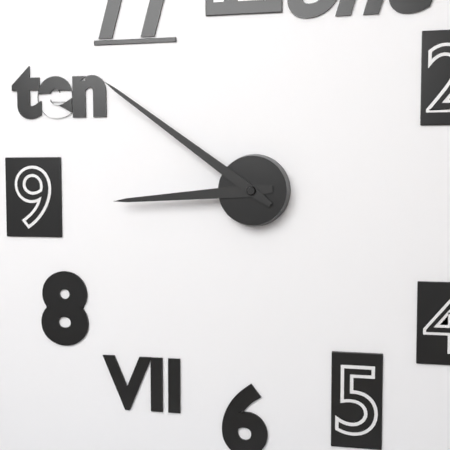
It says **8:51**
